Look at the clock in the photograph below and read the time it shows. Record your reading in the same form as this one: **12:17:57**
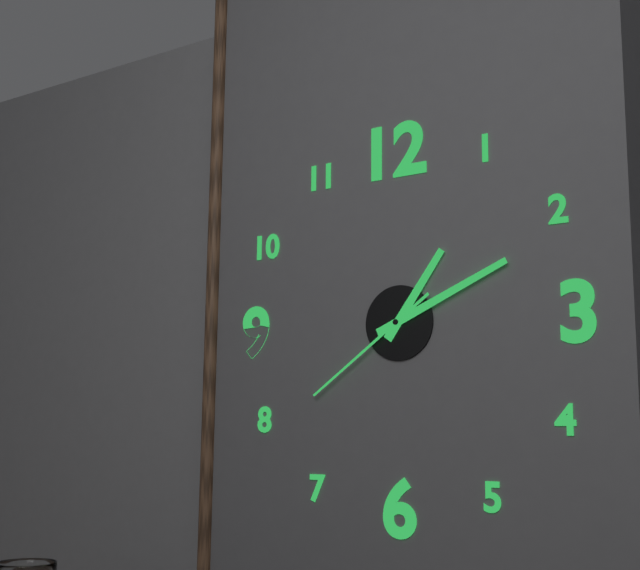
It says **1:11:39**
